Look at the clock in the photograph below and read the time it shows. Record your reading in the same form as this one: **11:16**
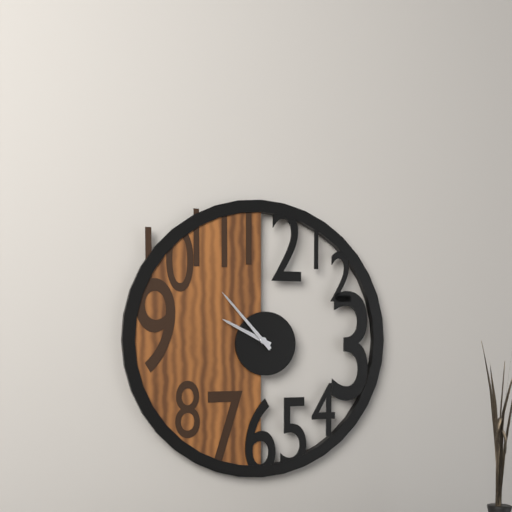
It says **9:53**
